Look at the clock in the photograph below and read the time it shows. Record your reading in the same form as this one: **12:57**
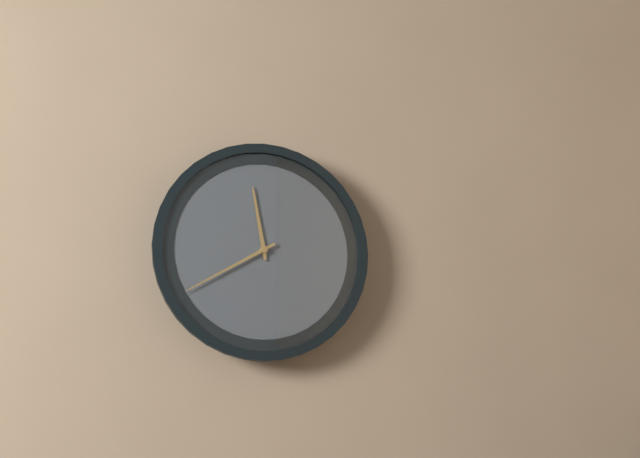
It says **11:40**
